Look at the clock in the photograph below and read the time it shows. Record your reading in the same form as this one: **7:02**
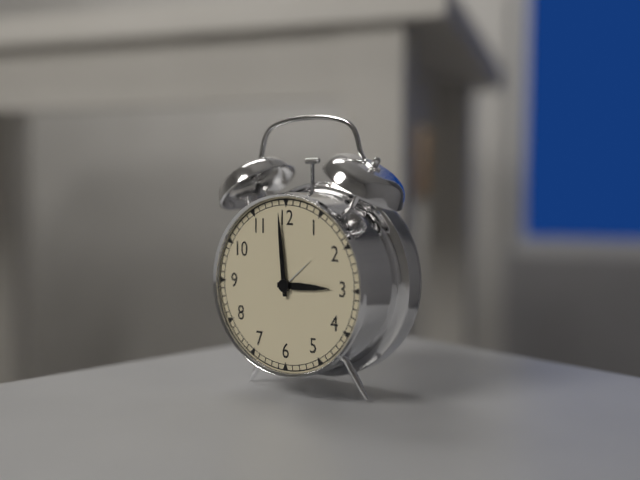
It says **2:59**
